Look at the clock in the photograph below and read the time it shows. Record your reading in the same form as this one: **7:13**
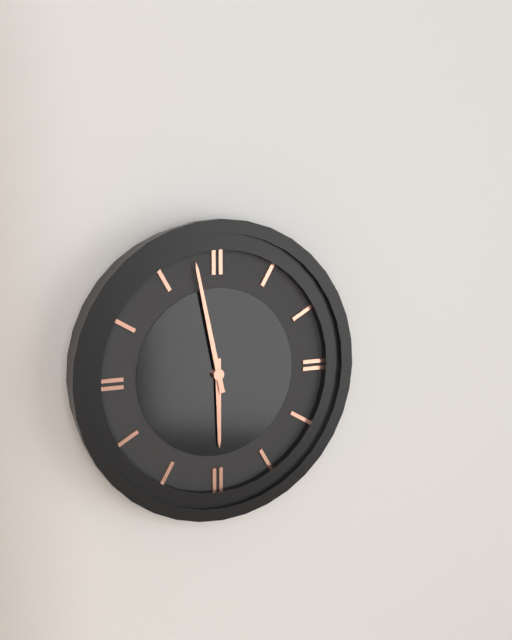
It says **5:58**
